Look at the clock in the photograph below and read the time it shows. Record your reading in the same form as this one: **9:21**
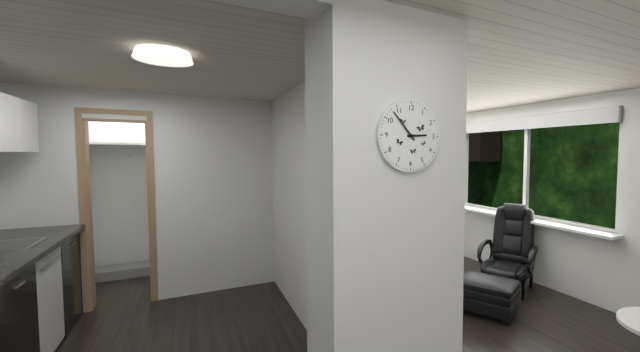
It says **2:53**
